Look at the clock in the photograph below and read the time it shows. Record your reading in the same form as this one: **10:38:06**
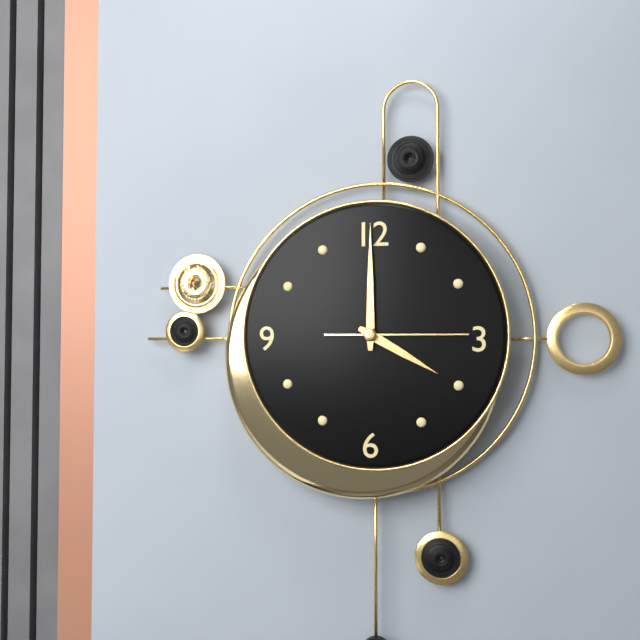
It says **4:00:15**
